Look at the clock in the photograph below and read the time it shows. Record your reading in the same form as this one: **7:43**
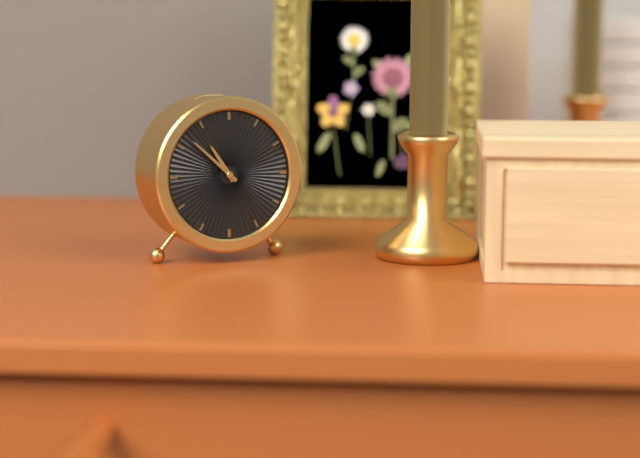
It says **10:52**
